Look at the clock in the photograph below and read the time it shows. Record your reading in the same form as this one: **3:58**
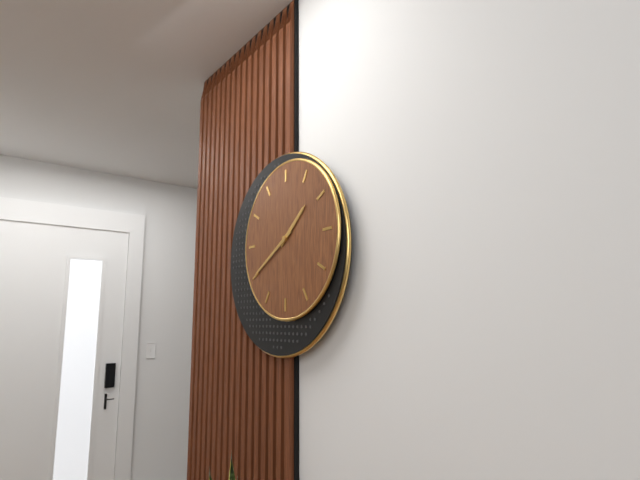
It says **1:40**
